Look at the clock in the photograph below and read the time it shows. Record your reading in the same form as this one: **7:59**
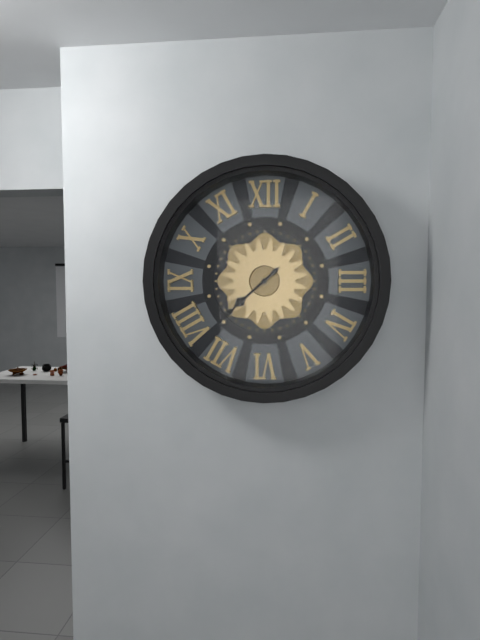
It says **7:38**
